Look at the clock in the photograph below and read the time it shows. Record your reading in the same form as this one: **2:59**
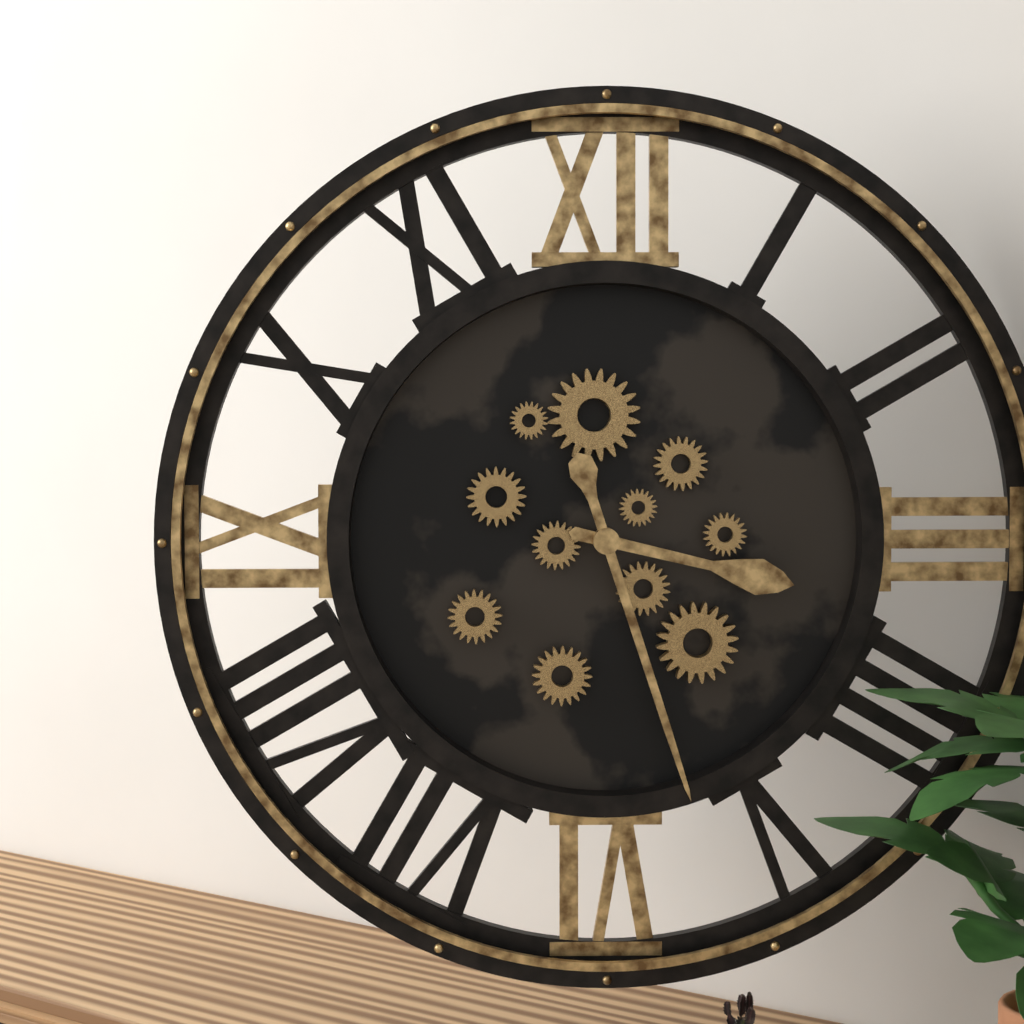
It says **3:27**
